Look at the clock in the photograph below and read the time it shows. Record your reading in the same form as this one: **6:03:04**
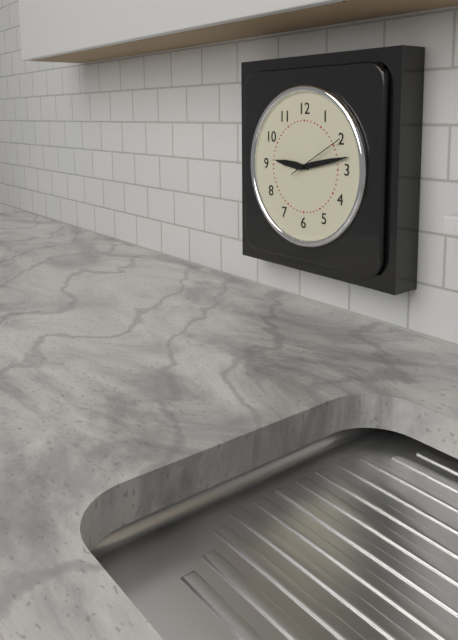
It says **9:13:10**
